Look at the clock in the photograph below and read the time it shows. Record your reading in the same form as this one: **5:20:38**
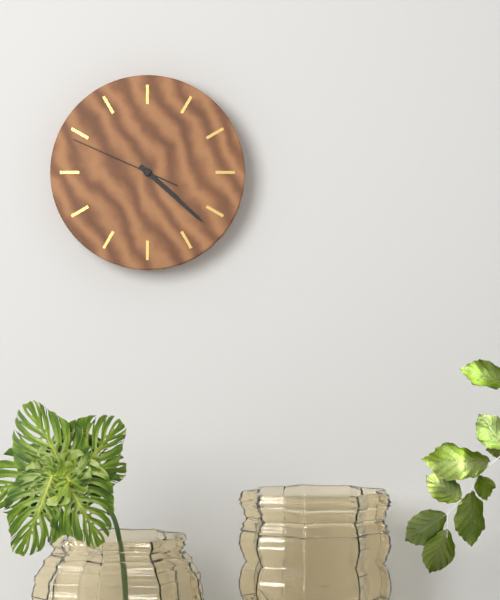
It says **4:22:49**
